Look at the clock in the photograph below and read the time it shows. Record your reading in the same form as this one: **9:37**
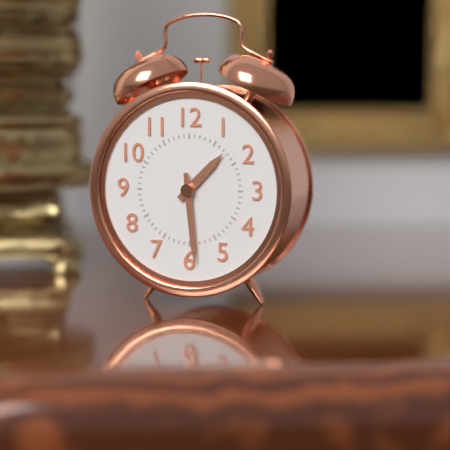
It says **1:29**
